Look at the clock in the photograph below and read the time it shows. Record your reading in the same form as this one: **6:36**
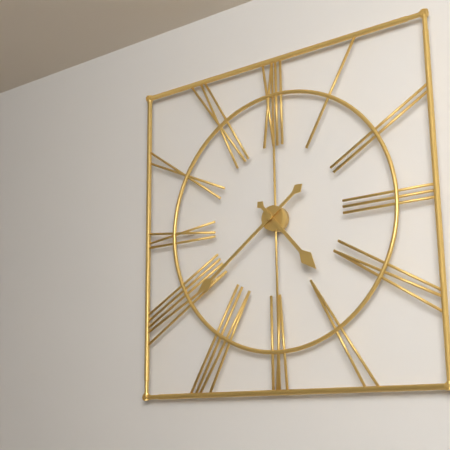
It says **4:39**
